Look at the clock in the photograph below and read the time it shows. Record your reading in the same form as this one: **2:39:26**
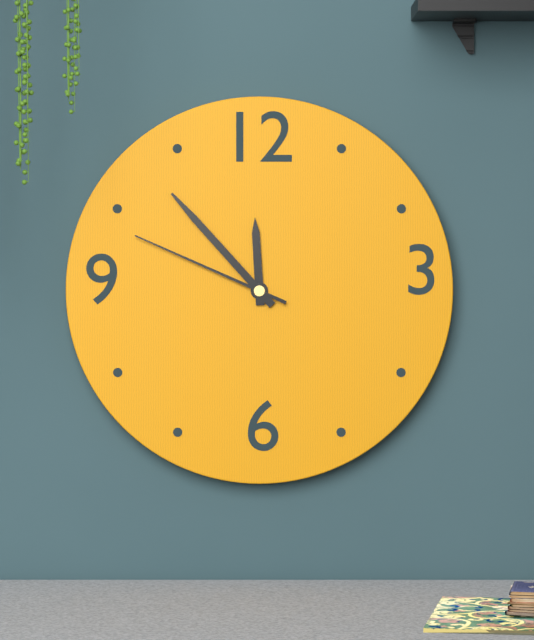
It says **11:53:49**
